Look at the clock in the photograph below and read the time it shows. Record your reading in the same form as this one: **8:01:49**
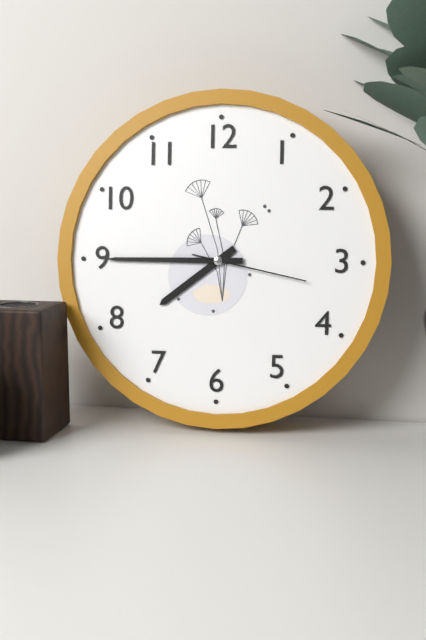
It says **7:45:17**
